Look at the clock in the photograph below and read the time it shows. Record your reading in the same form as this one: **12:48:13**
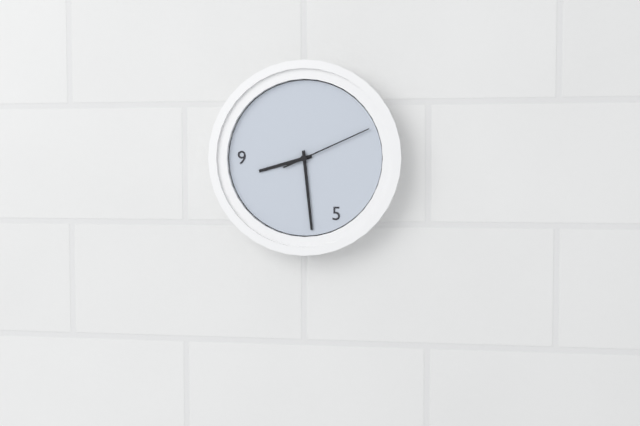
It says **8:29:11**
